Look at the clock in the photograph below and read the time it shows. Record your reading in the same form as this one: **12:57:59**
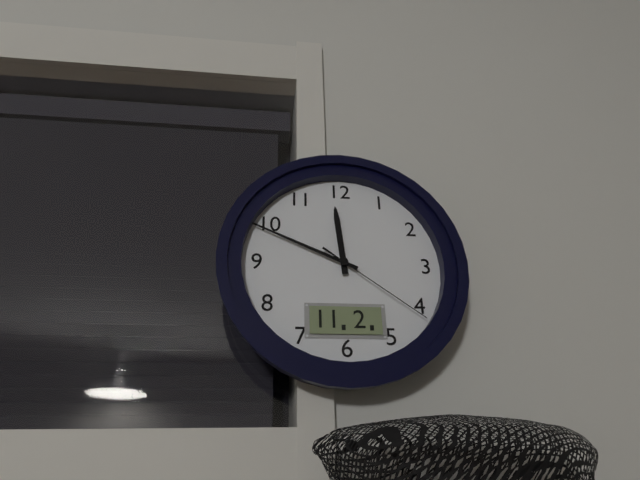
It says **11:49:21**
